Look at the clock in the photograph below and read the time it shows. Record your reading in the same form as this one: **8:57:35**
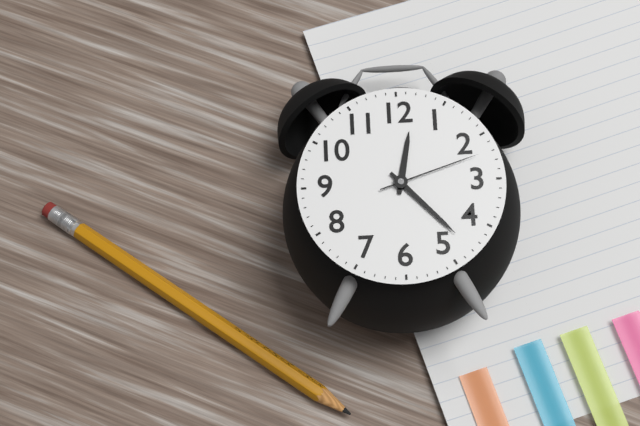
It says **12:23:12**
